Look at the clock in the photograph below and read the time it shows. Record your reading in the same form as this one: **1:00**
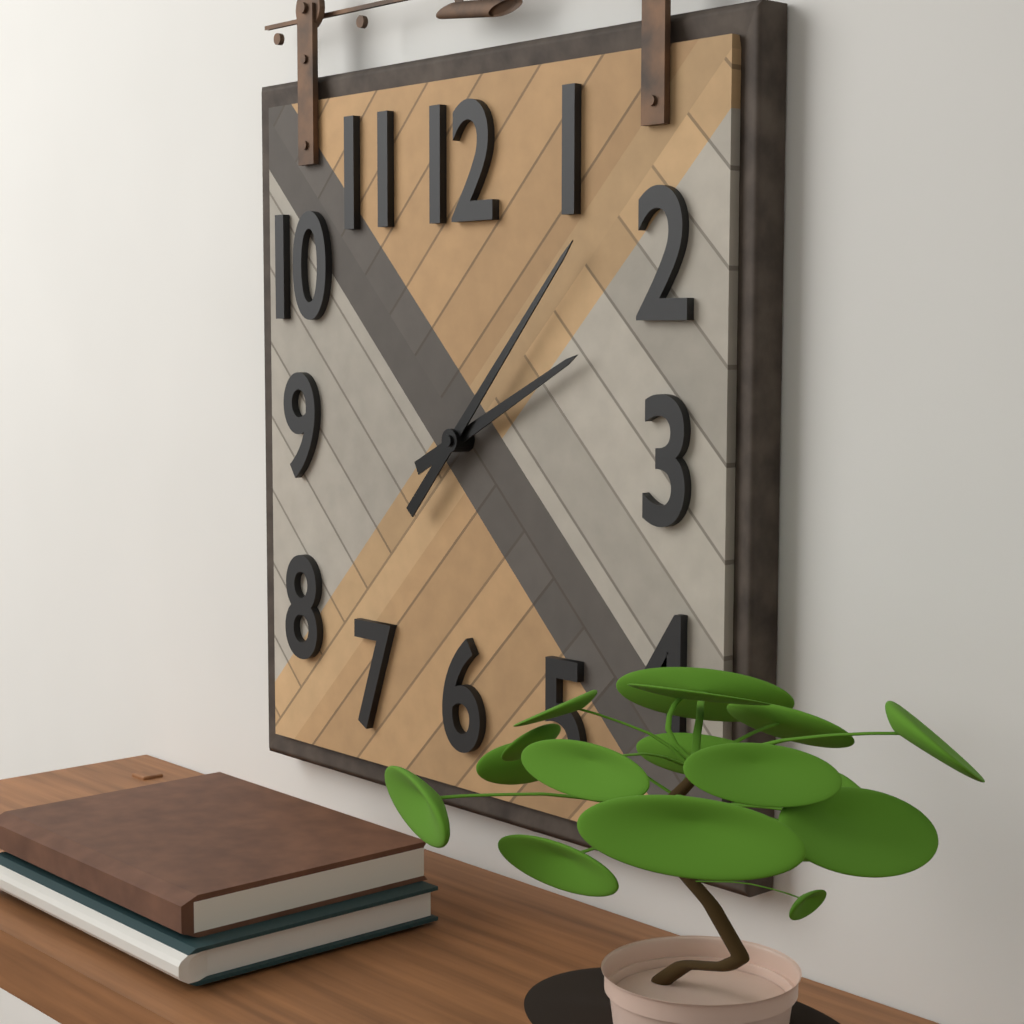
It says **2:07**
